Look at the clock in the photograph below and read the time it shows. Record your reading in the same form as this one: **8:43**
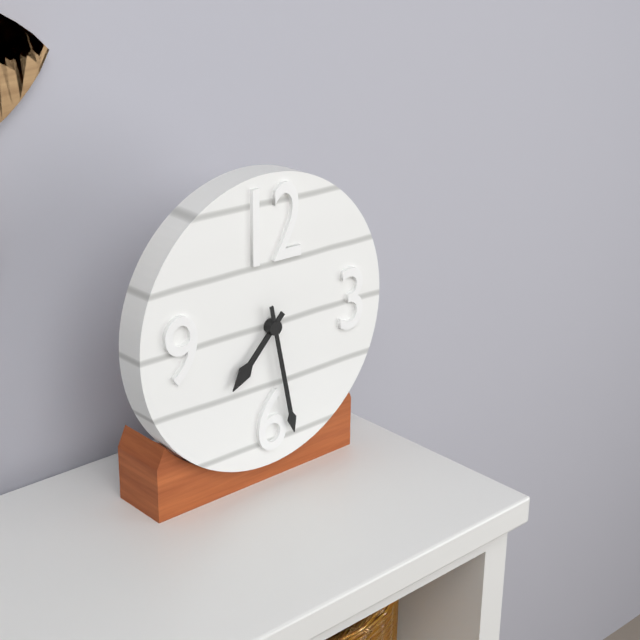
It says **7:28**
